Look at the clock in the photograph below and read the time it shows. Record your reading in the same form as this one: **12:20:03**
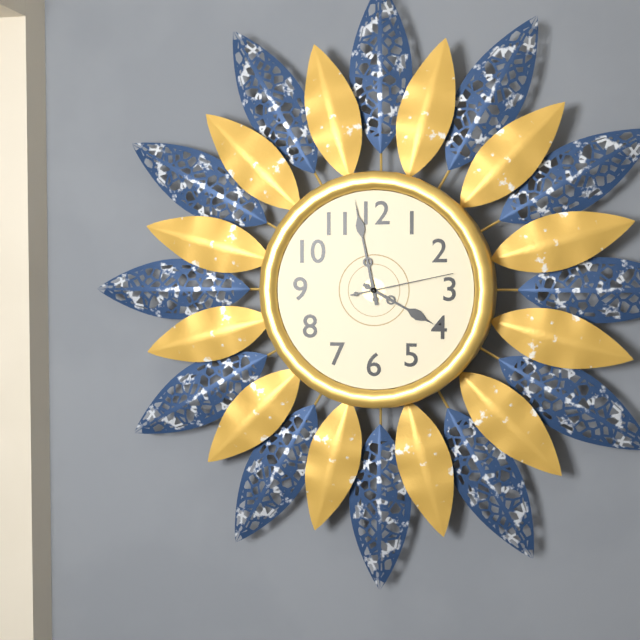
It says **3:58:13**
